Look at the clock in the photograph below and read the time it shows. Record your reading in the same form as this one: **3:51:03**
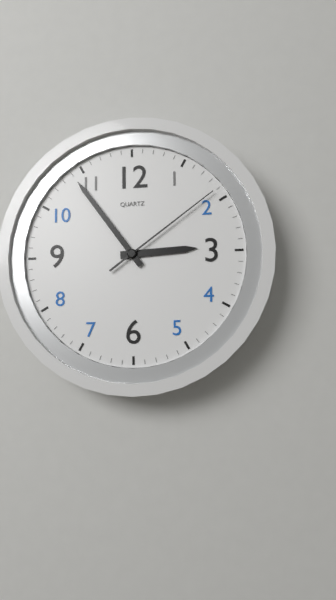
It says **2:54:09**
